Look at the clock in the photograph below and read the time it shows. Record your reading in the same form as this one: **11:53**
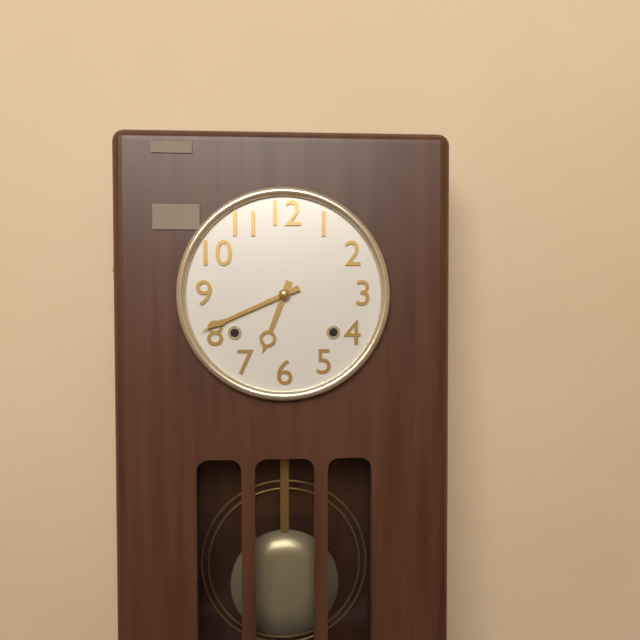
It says **6:41**
